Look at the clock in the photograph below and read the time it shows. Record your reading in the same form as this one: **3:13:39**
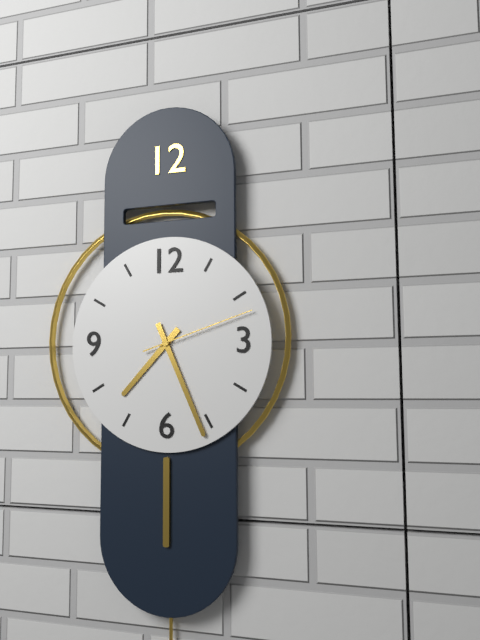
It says **7:26:12**
